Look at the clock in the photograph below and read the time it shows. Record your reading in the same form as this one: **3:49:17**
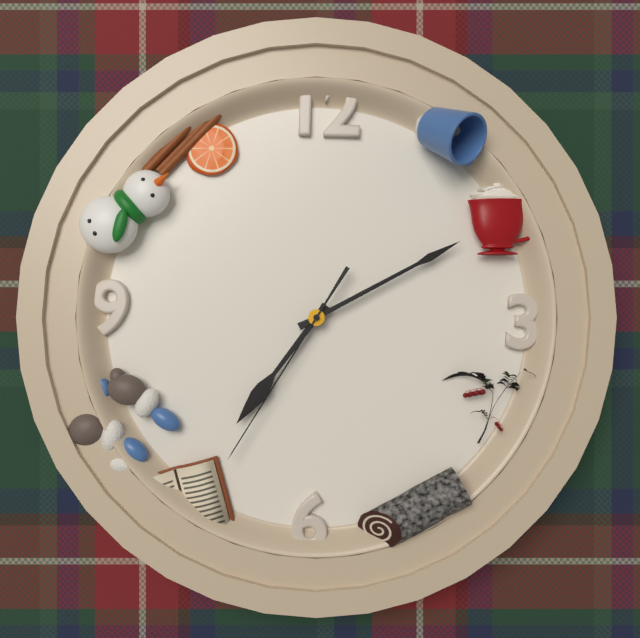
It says **7:10:35**
